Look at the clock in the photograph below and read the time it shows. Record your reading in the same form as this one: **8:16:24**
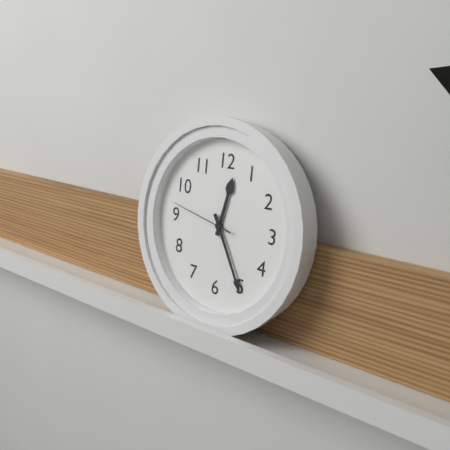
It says **12:25:47**
